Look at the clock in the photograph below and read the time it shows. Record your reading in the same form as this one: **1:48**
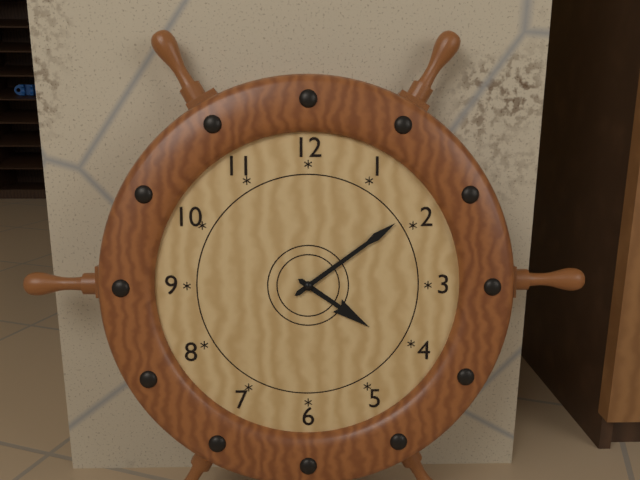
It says **4:09**
